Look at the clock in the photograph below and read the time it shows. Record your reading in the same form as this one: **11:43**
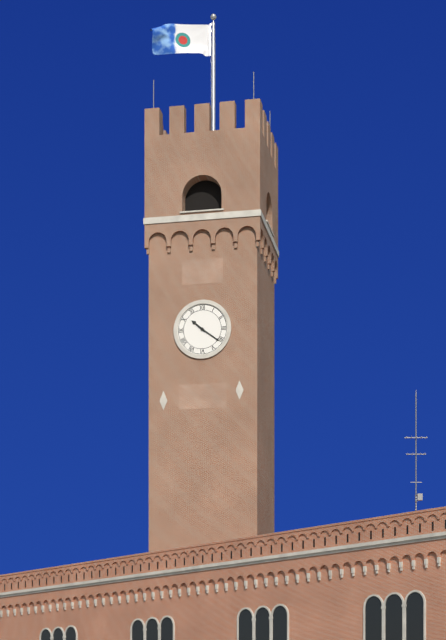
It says **10:21**
